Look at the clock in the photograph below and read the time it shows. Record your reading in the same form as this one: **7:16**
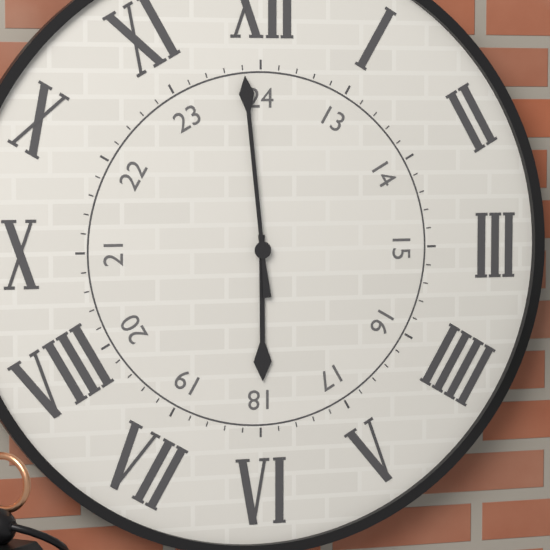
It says **5:59**
